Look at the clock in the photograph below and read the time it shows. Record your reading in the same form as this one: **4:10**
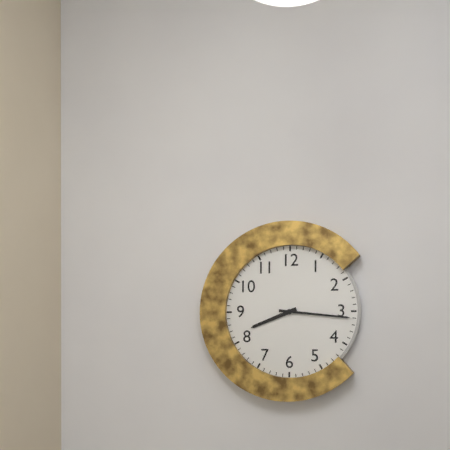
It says **8:16**
